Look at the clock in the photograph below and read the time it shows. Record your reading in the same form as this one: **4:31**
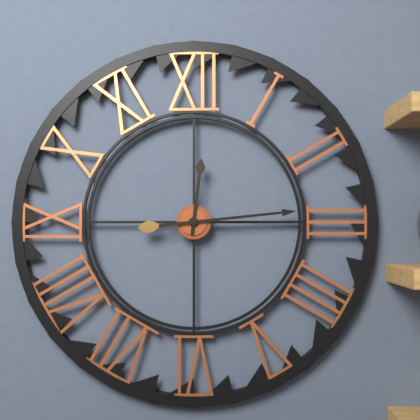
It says **12:14**
